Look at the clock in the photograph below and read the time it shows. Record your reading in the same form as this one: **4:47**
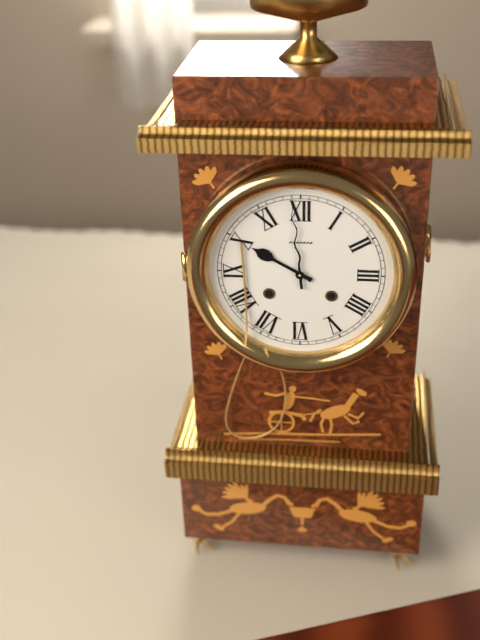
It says **9:59**
